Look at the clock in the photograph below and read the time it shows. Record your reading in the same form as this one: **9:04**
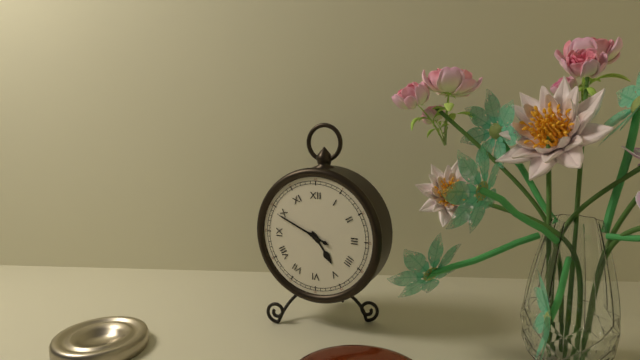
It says **4:49**
